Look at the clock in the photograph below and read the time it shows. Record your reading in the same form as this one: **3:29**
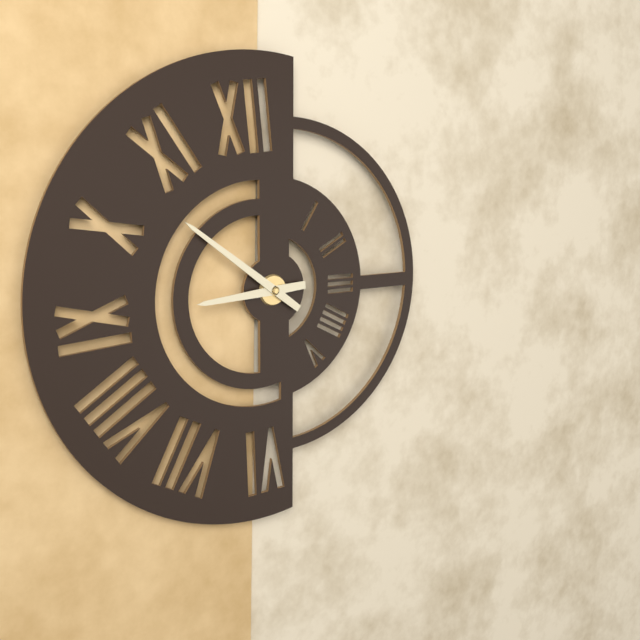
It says **8:51**
